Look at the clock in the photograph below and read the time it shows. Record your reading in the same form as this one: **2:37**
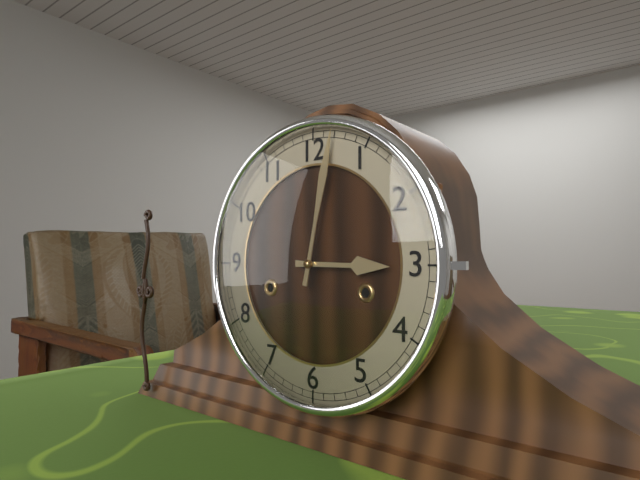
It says **3:02**
